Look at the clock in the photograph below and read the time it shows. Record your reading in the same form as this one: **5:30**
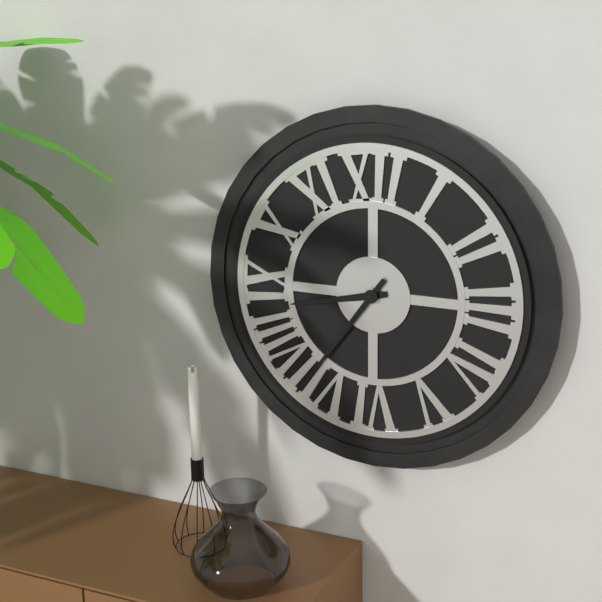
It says **8:36**
